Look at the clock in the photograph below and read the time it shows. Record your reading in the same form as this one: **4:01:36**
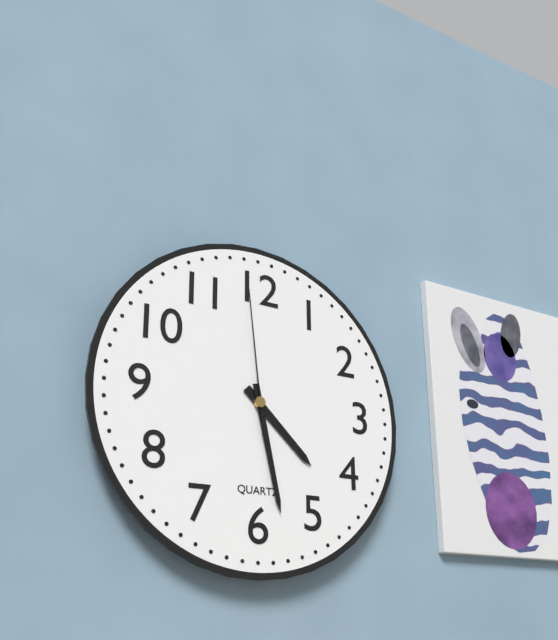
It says **4:28:59**
